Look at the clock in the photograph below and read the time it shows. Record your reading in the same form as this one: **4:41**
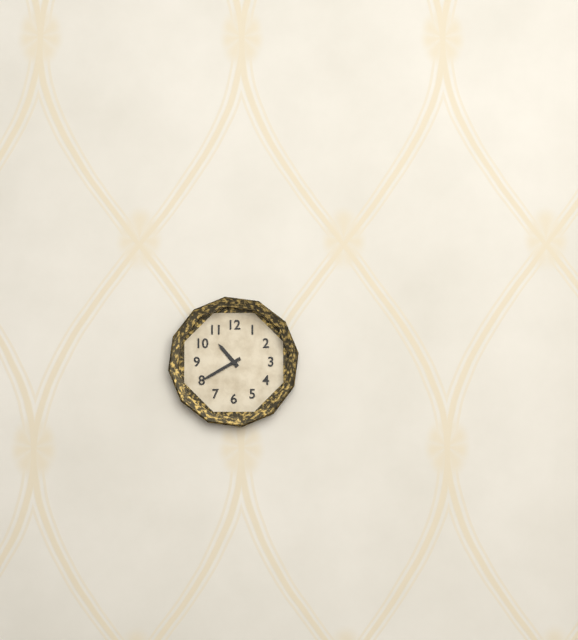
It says **10:40**
